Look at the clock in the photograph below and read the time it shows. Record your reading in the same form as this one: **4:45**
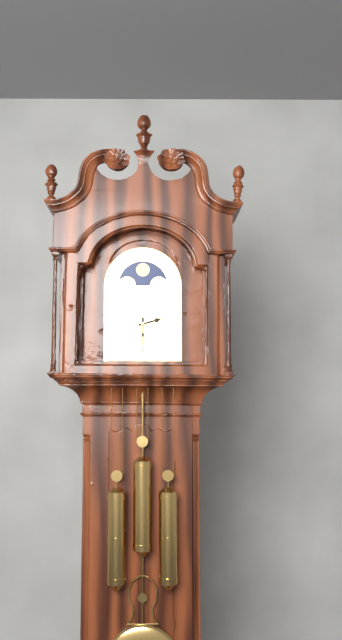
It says **2:30**
